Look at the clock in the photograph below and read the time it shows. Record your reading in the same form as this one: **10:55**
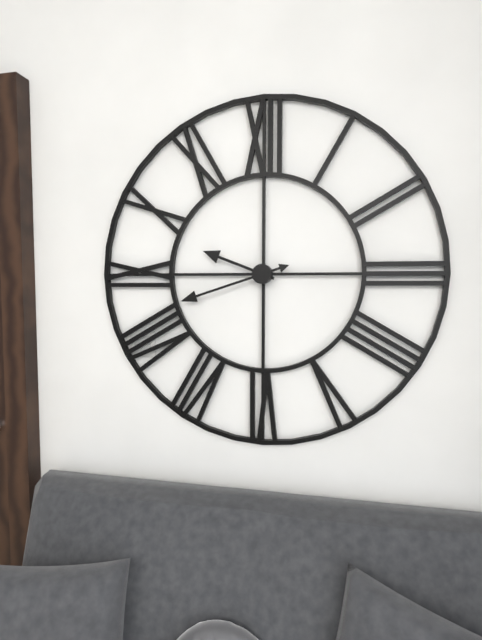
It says **9:42**
